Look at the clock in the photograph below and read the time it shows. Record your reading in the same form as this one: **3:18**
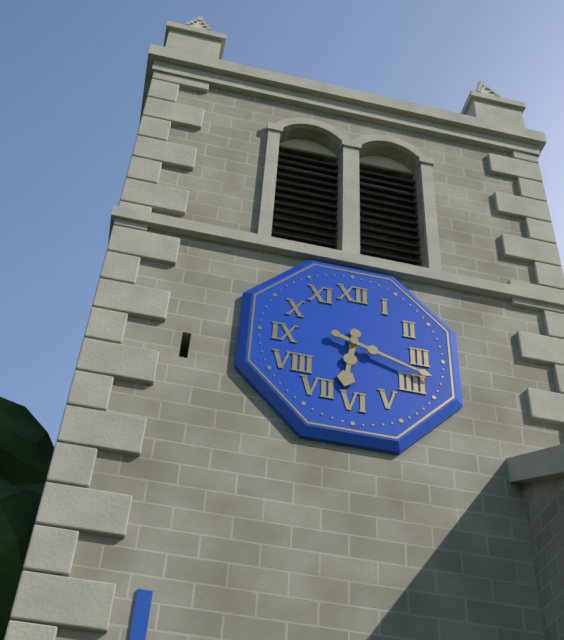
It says **6:18**
